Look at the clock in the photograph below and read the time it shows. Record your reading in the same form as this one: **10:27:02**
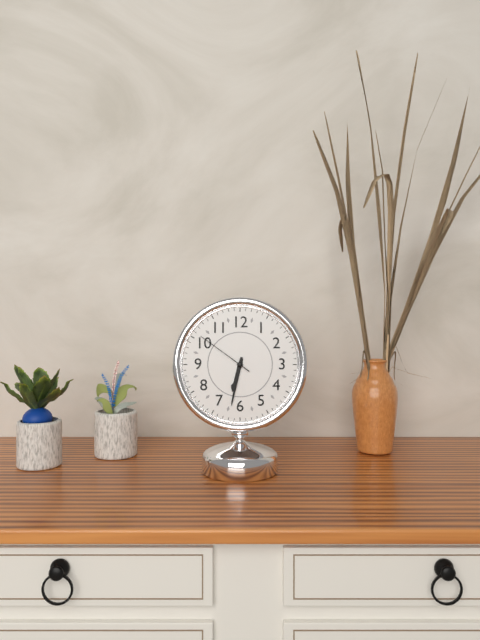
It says **6:32:51**
